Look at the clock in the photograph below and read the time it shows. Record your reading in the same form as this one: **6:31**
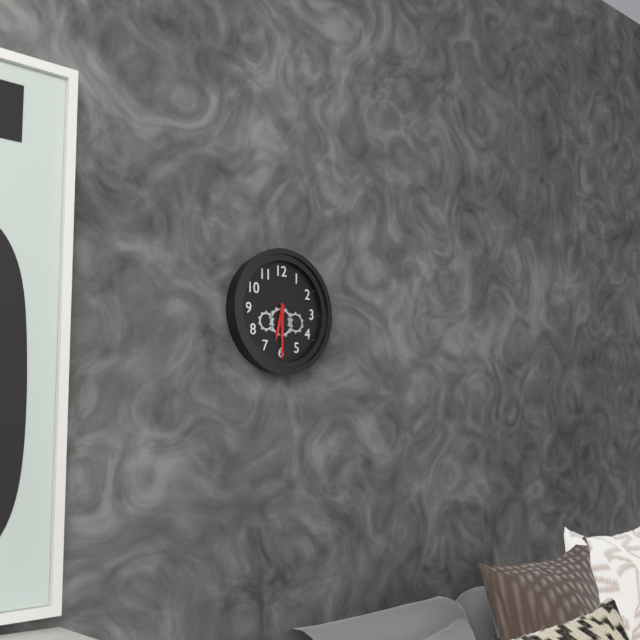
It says **6:30**
